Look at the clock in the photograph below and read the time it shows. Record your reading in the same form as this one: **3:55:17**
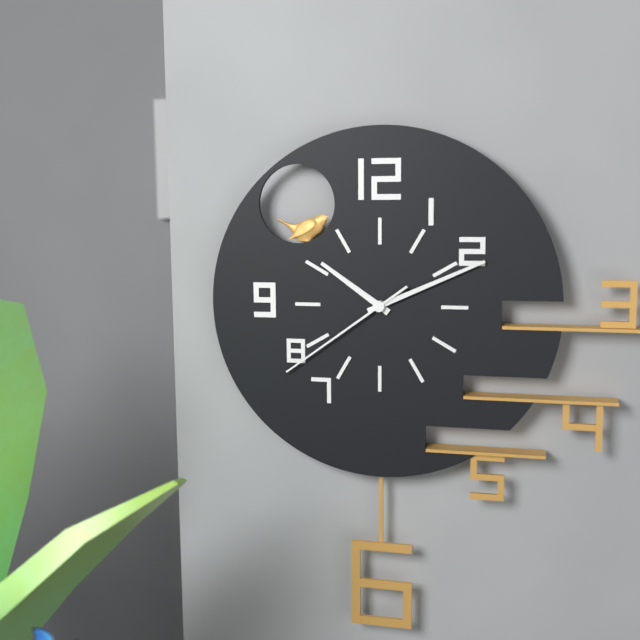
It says **10:11:39**
